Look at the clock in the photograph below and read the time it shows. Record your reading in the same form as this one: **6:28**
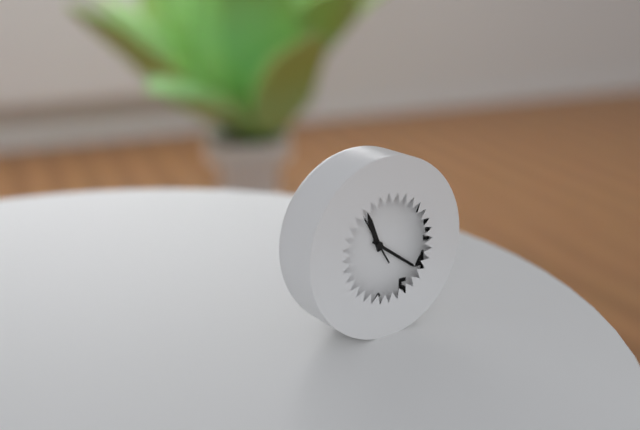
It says **11:21**
